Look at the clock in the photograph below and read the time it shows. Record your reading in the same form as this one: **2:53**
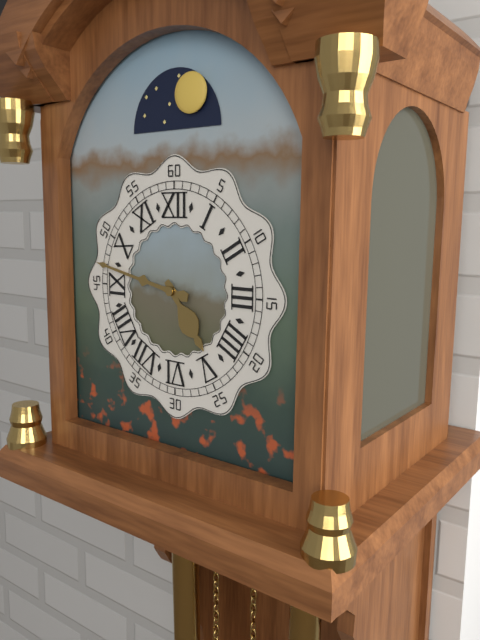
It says **4:47**
